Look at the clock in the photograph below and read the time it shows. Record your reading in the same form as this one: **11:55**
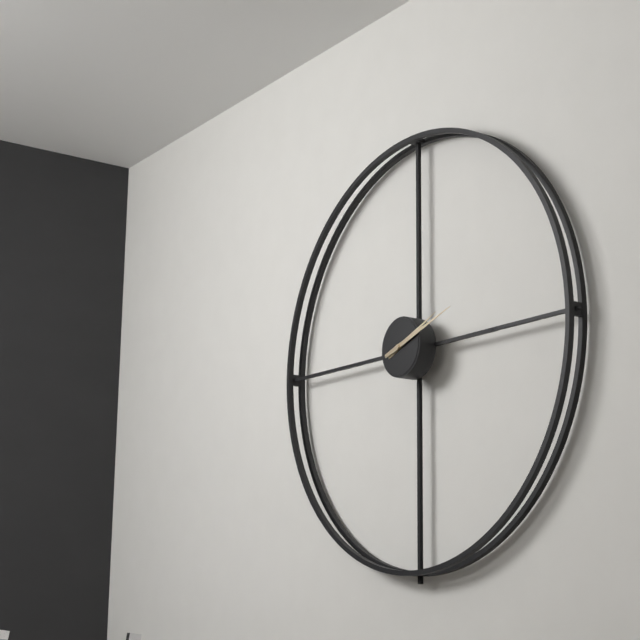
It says **2:12**
